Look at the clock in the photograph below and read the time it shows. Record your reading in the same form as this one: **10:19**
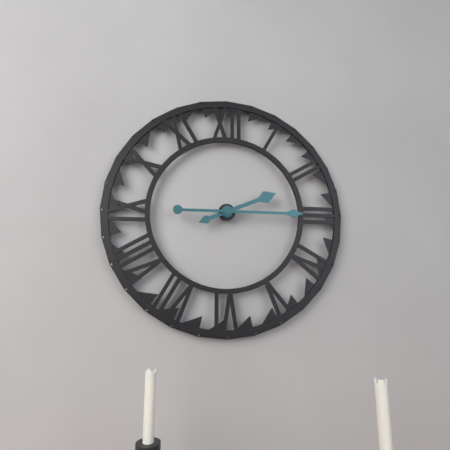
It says **2:15**
